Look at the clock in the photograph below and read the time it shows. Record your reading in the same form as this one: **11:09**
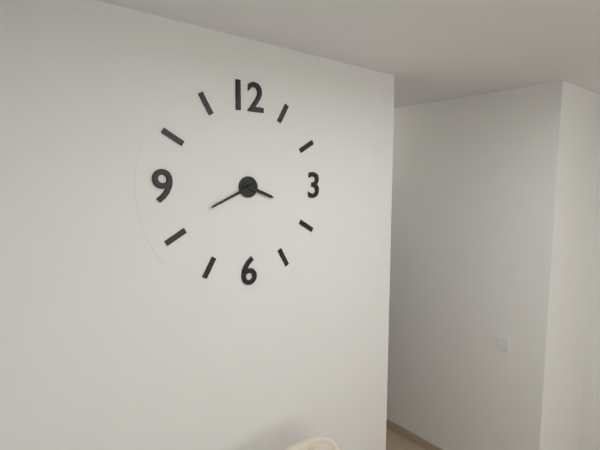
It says **3:41**
